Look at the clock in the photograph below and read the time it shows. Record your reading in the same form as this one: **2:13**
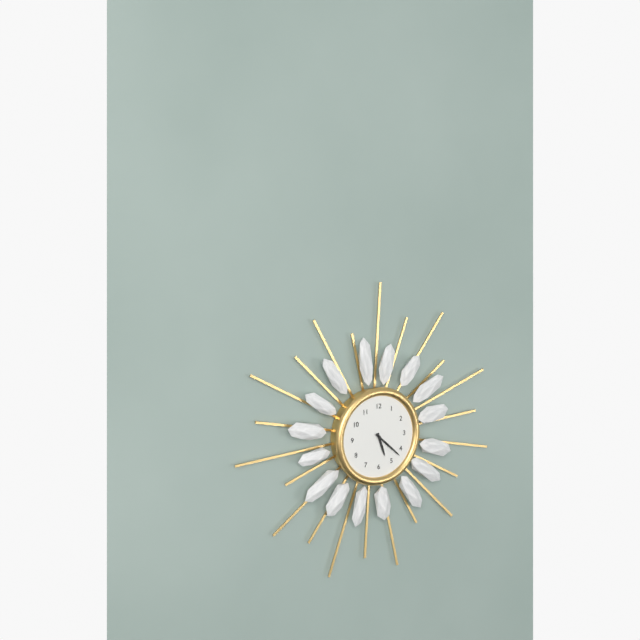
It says **5:22**
